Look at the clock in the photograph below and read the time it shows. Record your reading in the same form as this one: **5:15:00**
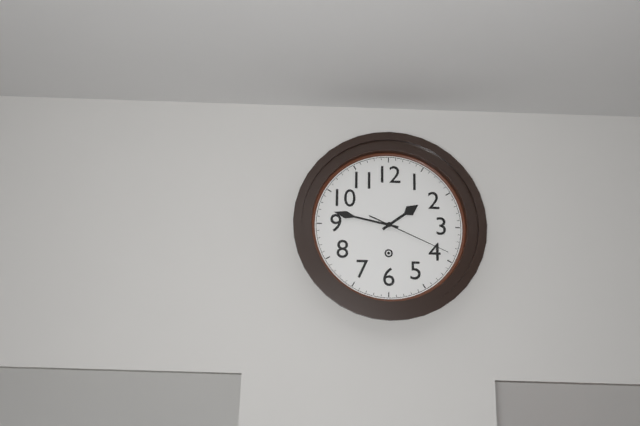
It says **1:47:19**
